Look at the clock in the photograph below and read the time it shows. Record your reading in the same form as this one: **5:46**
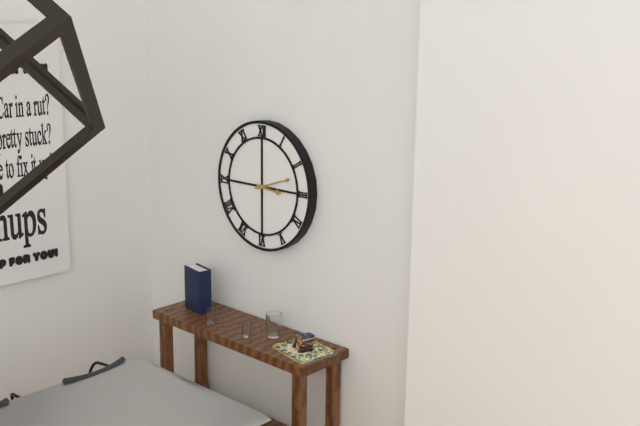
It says **3:12**
